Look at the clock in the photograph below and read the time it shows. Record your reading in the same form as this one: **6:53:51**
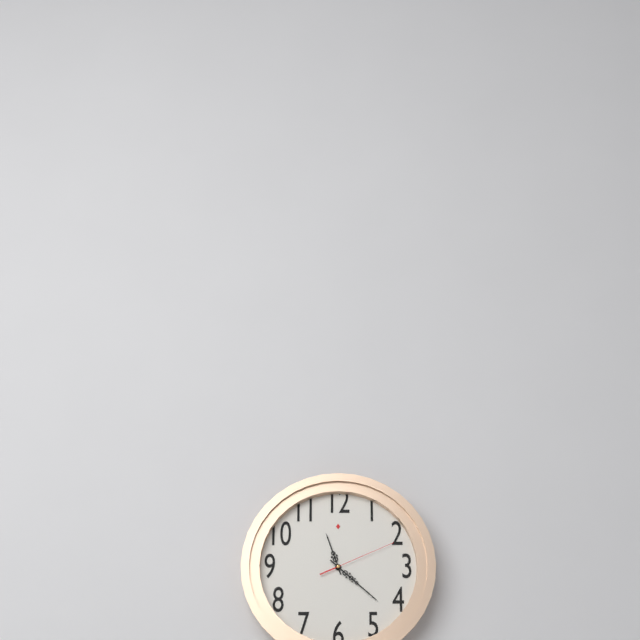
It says **11:22:11**
